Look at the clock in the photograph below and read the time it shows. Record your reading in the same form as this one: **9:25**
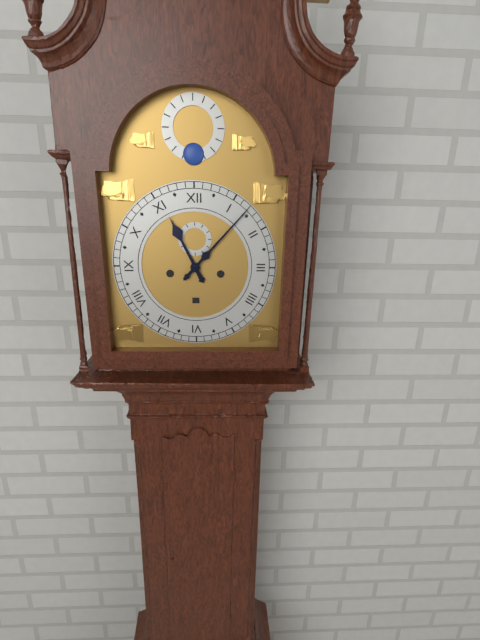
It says **11:07**
